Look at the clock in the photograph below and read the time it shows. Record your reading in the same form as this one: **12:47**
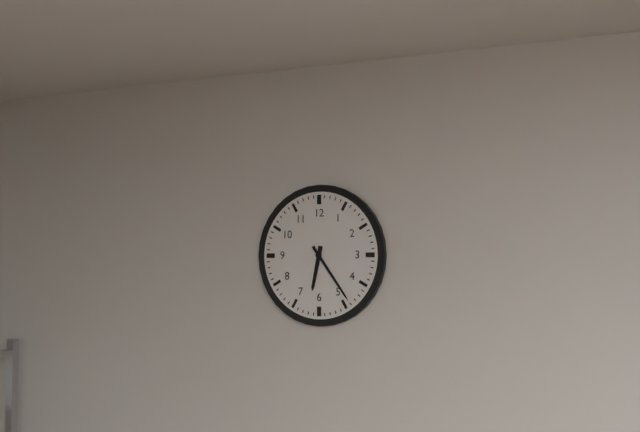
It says **6:24**
